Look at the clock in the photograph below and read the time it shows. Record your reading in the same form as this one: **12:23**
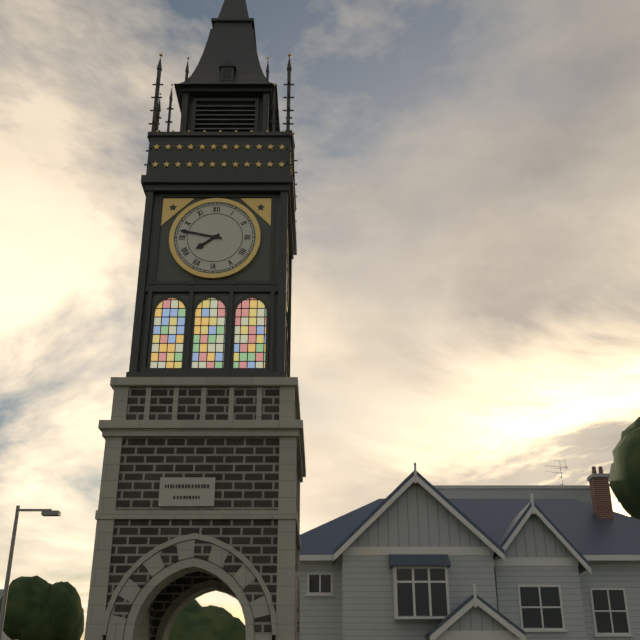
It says **7:47**
